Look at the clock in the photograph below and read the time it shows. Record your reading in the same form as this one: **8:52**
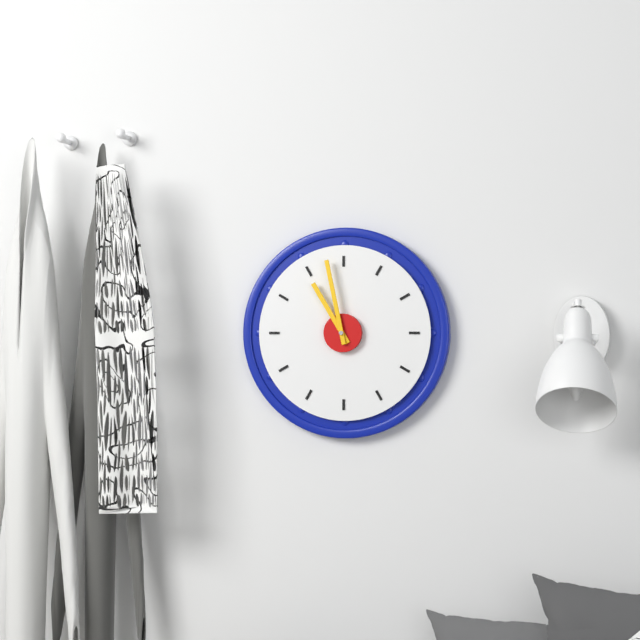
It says **10:58**
